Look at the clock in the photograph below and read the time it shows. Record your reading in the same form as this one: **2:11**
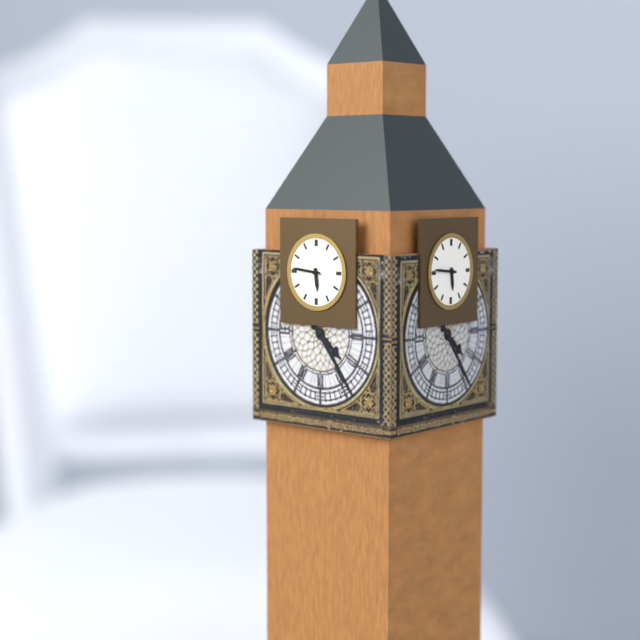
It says **5:46**
